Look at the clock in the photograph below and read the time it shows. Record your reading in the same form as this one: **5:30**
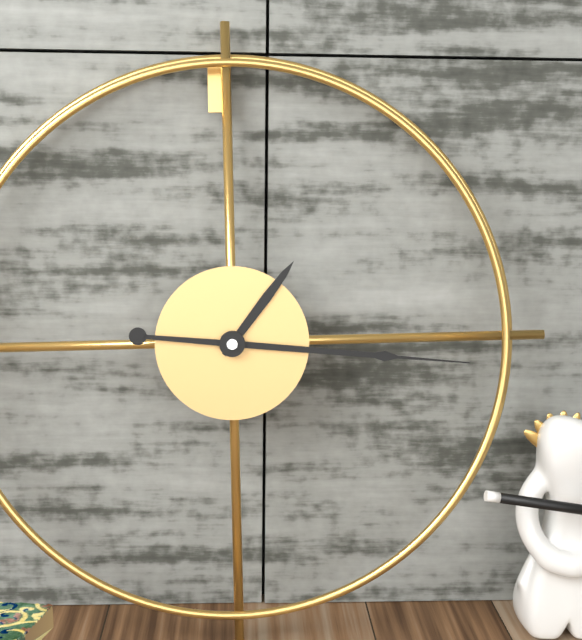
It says **1:16**
